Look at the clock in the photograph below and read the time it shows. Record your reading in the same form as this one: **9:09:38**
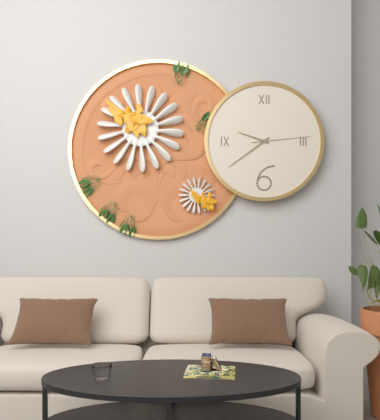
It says **9:39:14**
